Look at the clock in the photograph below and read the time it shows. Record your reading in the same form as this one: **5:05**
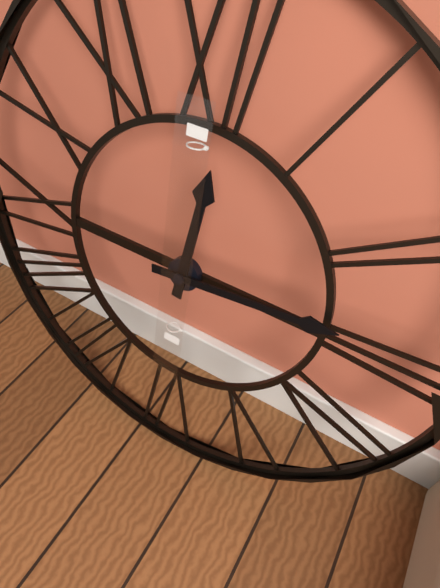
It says **12:14**
